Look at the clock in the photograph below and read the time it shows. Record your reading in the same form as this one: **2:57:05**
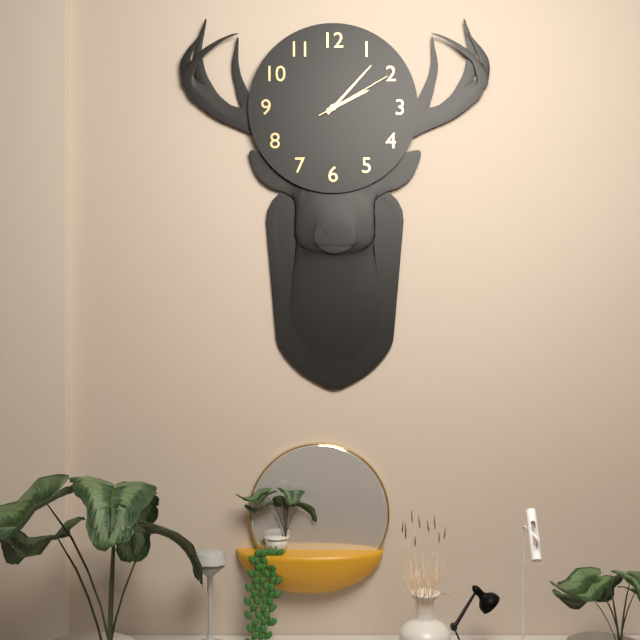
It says **2:07:10**
